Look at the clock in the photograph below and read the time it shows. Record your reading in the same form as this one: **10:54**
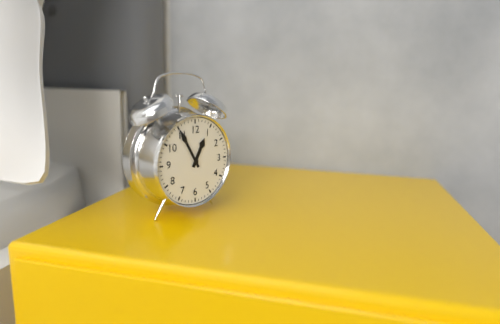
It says **12:55**
